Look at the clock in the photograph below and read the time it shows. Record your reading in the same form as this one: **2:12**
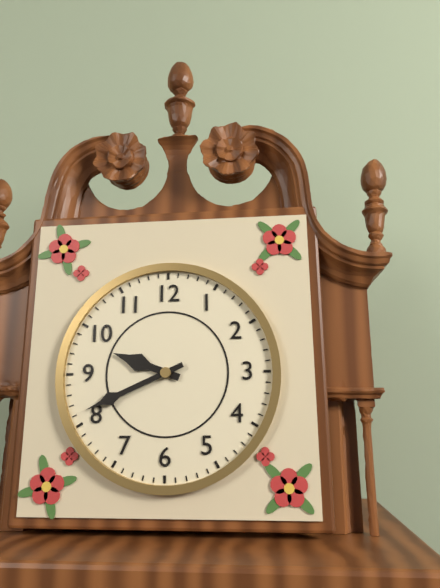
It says **9:41**
